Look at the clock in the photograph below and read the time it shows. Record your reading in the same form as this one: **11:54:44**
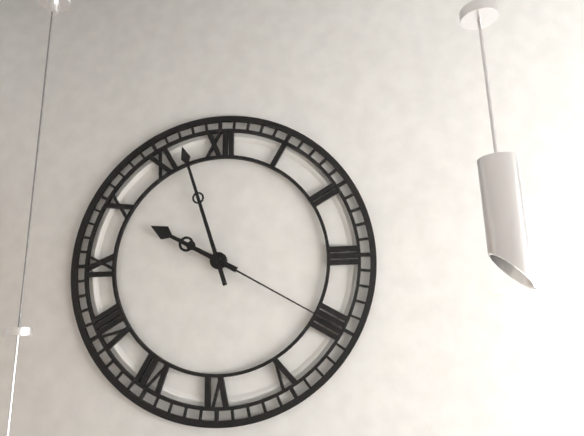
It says **9:57:20**
